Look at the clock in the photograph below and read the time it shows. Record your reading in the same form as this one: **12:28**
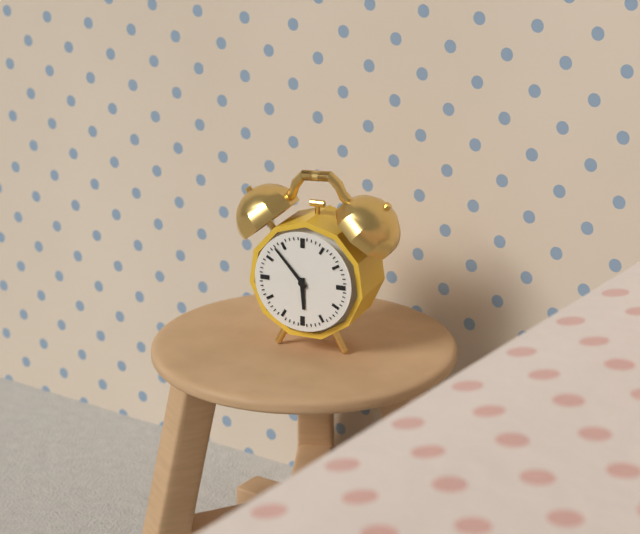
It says **5:53**
